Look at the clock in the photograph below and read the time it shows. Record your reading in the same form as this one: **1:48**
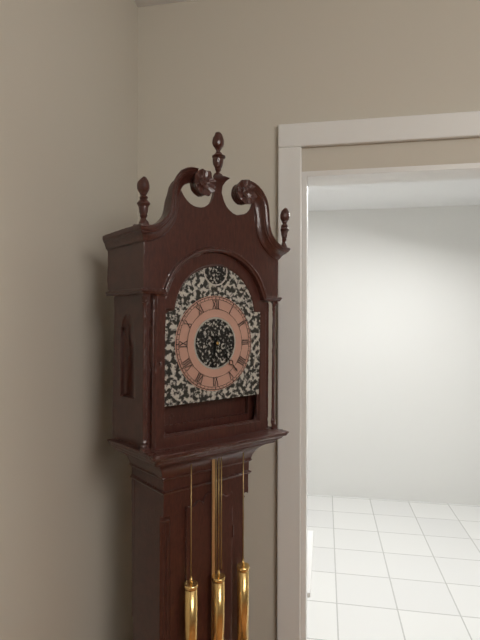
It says **6:23**
